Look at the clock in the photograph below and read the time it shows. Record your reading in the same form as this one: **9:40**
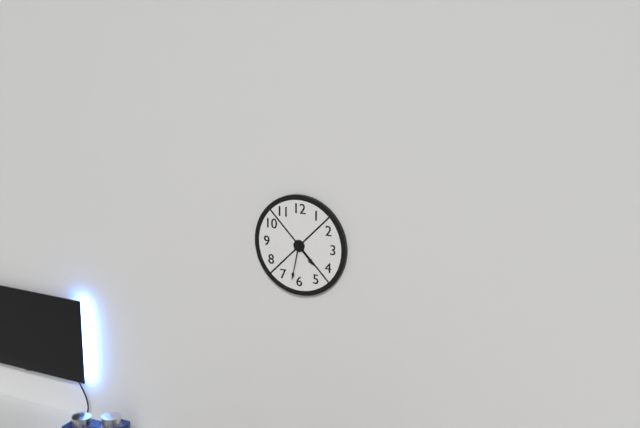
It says **4:32**
